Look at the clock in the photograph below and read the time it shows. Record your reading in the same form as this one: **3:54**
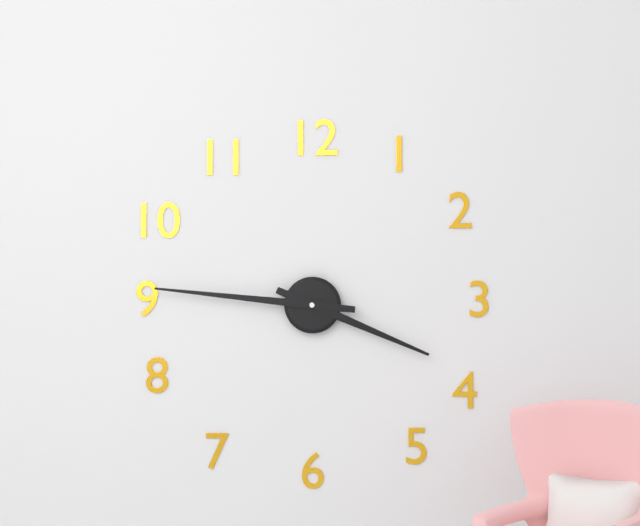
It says **3:46**
